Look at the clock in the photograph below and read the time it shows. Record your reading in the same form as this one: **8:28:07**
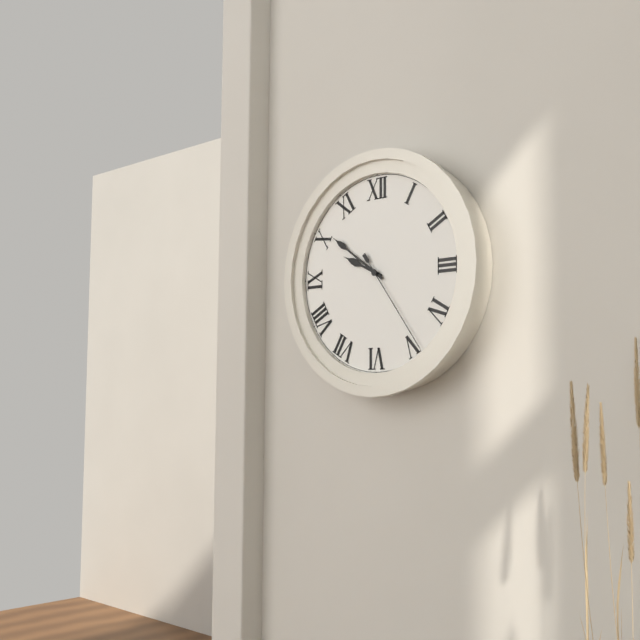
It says **9:51:24**
